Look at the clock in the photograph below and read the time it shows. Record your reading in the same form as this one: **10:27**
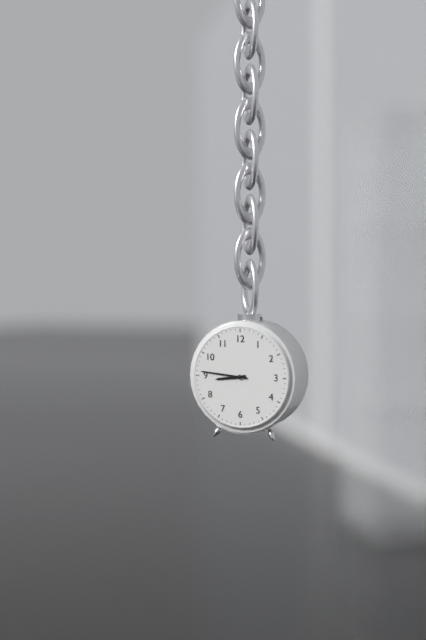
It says **8:46**
